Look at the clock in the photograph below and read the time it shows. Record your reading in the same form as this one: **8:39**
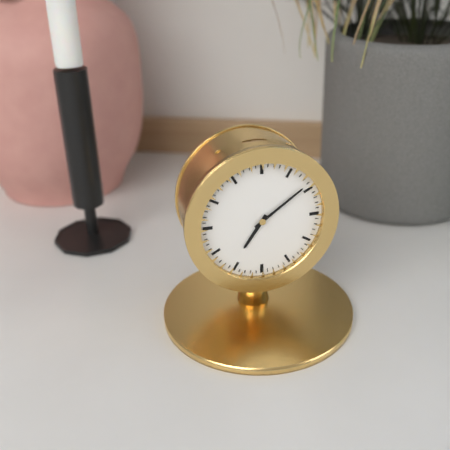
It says **7:09**
